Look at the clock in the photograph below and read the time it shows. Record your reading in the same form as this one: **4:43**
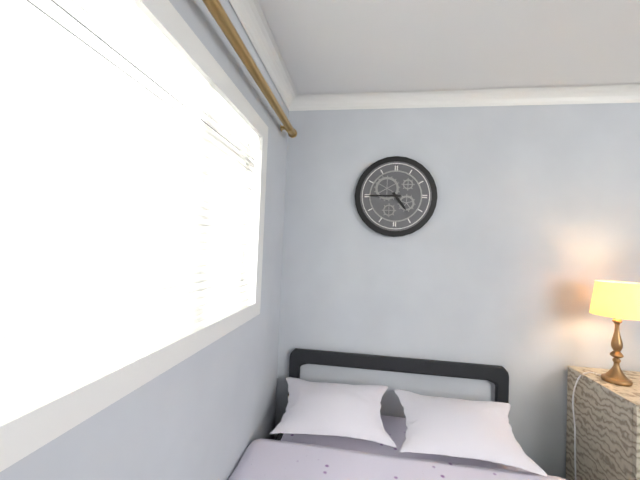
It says **4:45**
